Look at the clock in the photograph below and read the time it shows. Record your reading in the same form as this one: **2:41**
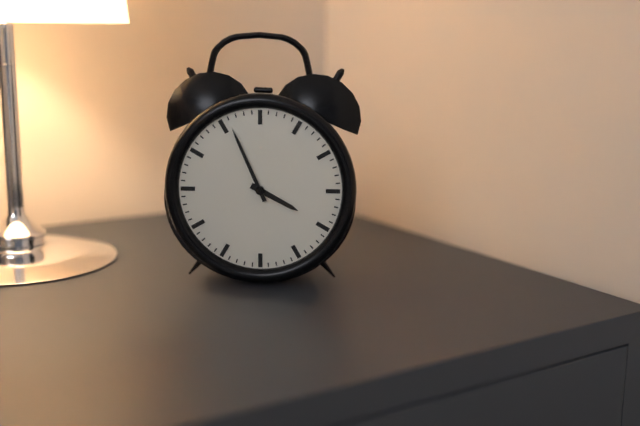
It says **3:56**
